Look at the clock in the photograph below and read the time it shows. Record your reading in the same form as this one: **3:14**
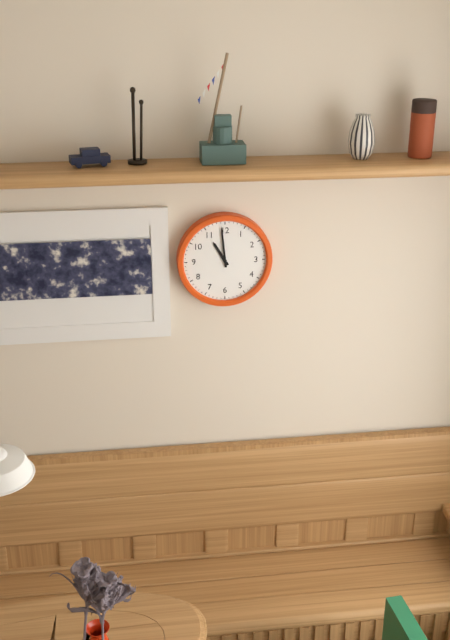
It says **10:59**
